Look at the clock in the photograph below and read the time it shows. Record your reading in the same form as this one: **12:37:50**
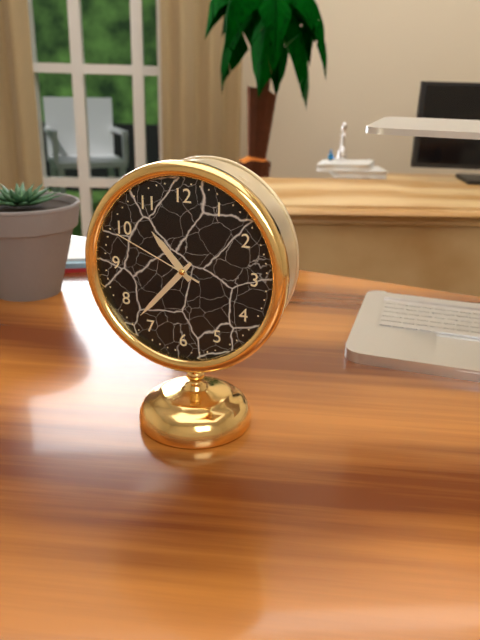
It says **10:37:49**
